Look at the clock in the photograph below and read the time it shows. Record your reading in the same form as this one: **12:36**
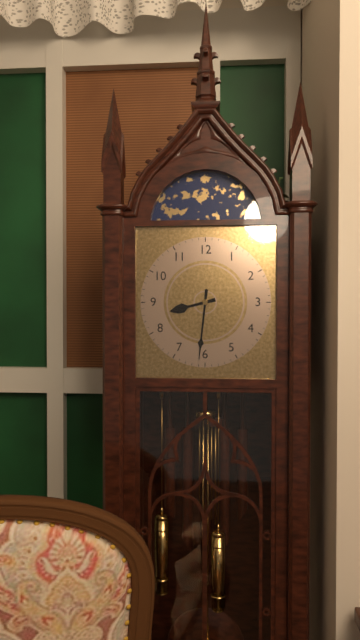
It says **8:31**
